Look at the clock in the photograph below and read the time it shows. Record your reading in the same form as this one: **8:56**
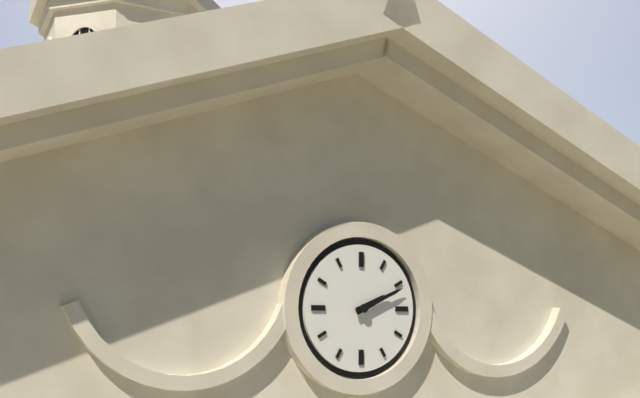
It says **2:11**
